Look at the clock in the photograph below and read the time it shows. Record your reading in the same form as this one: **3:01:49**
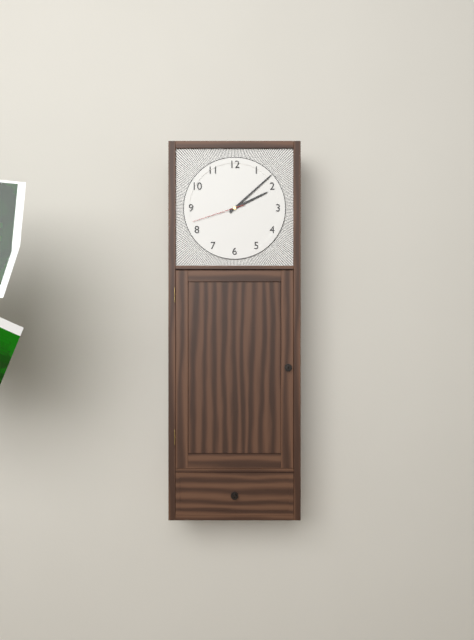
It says **2:08:42**
